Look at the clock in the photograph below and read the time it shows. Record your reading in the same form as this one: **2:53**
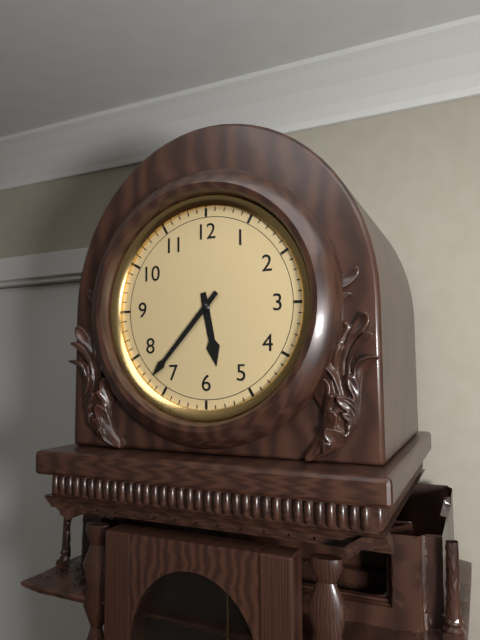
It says **5:37**
